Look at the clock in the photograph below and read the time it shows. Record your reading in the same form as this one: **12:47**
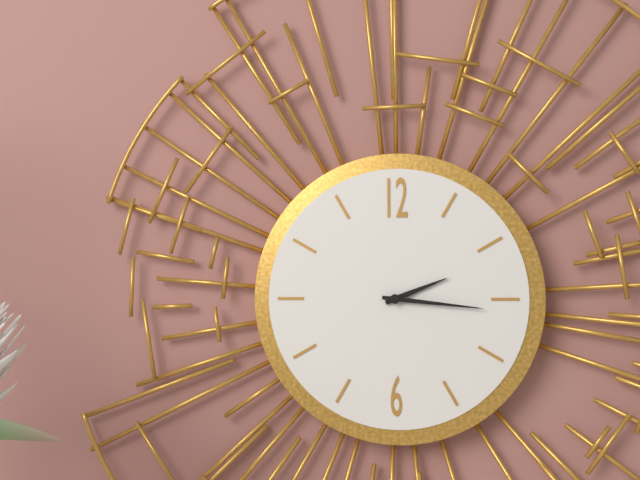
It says **2:16**
